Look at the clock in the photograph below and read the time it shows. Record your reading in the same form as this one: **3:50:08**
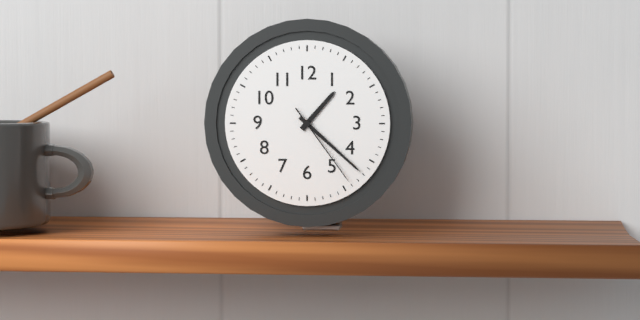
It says **1:22:24**
